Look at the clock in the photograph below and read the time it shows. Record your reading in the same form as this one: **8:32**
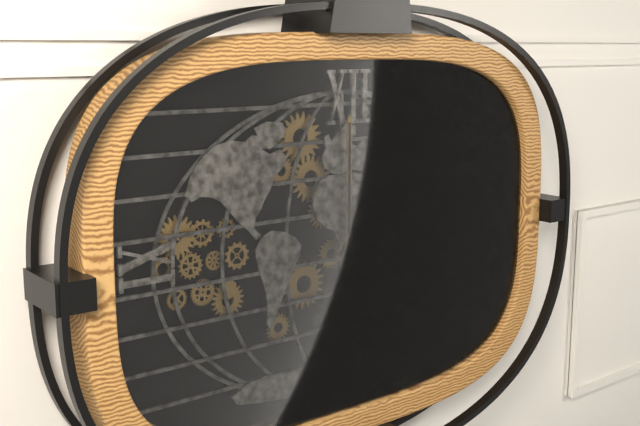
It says **1:00**
